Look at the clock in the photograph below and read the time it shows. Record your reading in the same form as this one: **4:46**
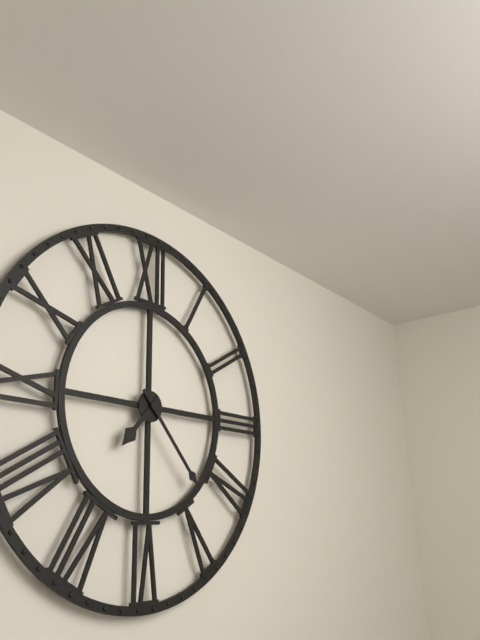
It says **7:23**
